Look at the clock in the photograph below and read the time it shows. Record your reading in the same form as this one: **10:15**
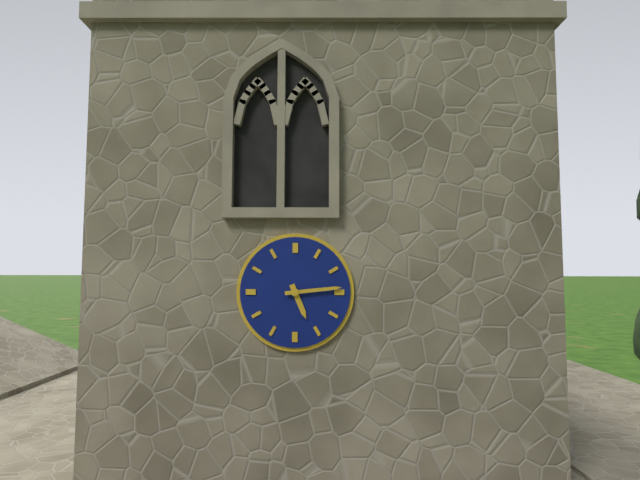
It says **5:14**
